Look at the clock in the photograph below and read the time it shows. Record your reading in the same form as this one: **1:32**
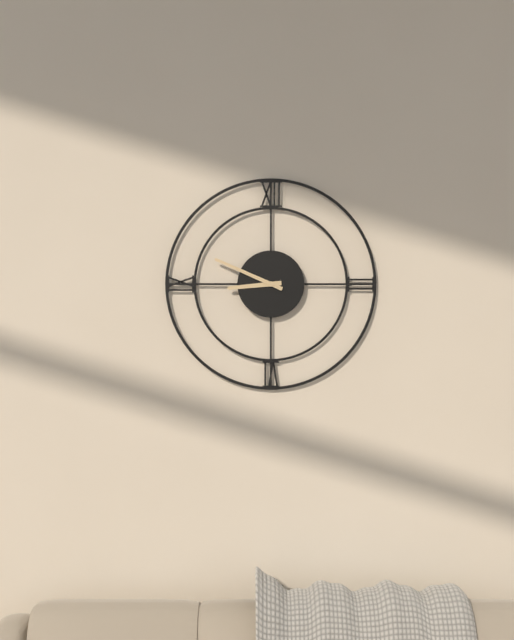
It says **8:49**
